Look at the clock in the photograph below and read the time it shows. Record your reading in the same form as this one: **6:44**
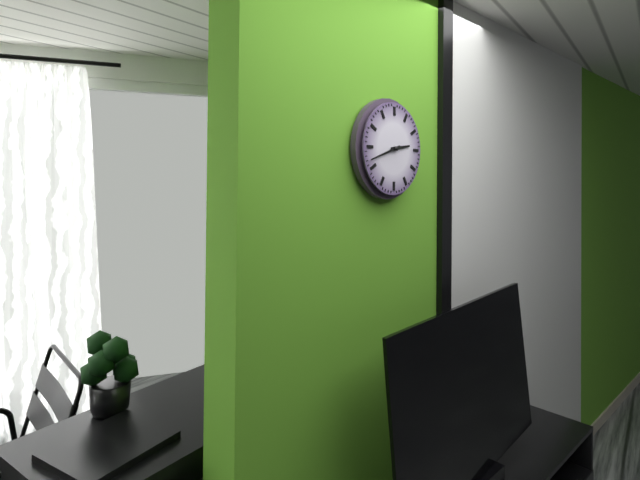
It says **2:42**
